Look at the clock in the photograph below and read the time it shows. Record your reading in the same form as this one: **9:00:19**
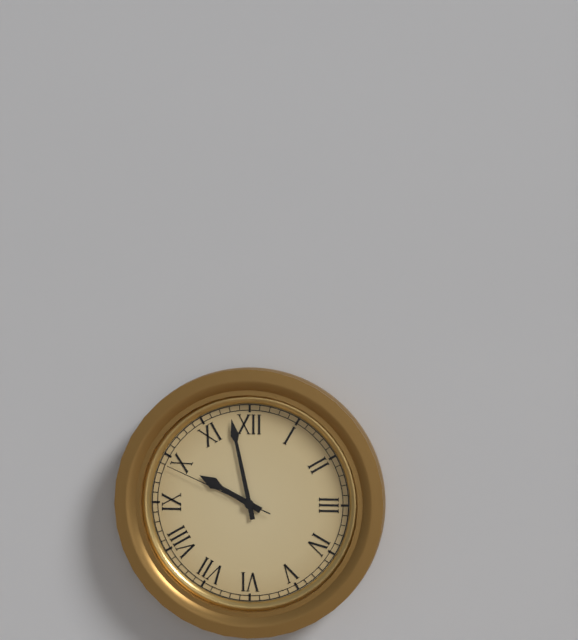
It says **9:58:49**
